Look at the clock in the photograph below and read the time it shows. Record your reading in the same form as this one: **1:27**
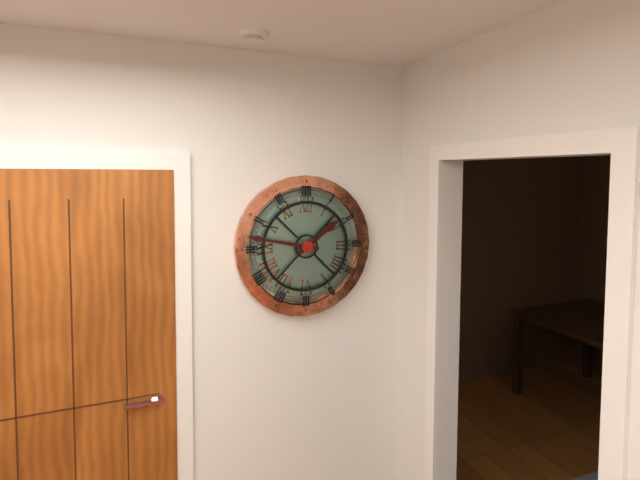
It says **1:47**
